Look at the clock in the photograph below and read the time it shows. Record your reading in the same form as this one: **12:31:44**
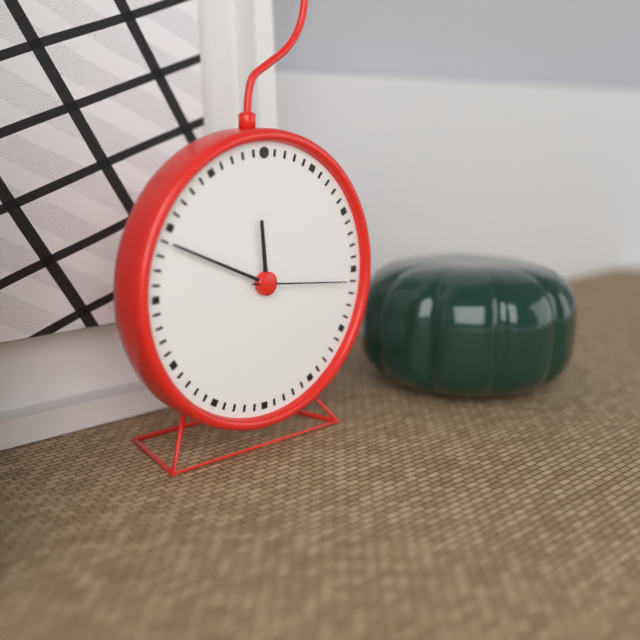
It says **11:49:16**
